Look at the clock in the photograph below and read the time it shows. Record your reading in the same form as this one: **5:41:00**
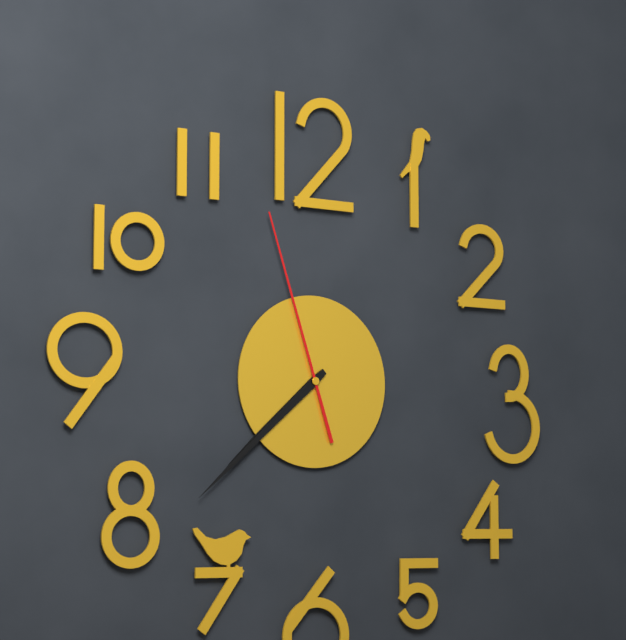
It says **7:38:57**
